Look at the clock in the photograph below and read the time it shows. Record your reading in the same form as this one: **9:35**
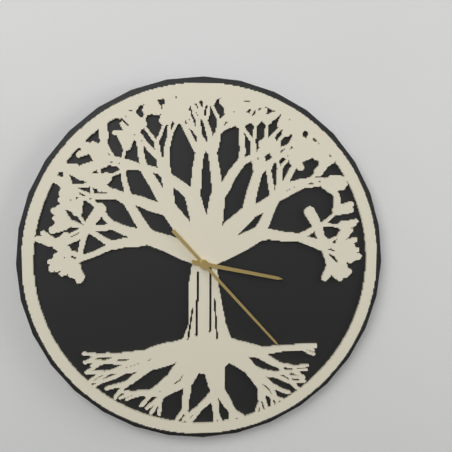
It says **3:23**
